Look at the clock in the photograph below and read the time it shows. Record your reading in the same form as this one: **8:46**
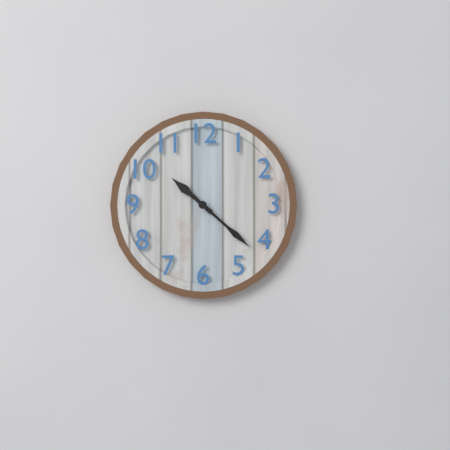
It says **10:22**
